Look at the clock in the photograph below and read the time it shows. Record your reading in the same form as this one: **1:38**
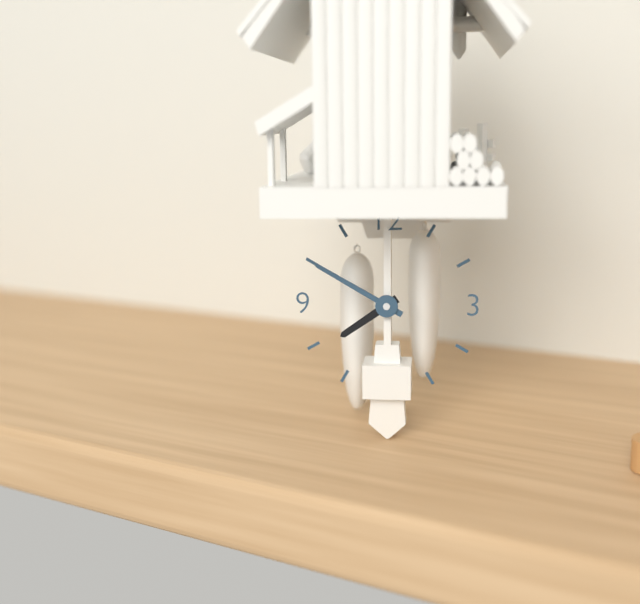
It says **7:50**
